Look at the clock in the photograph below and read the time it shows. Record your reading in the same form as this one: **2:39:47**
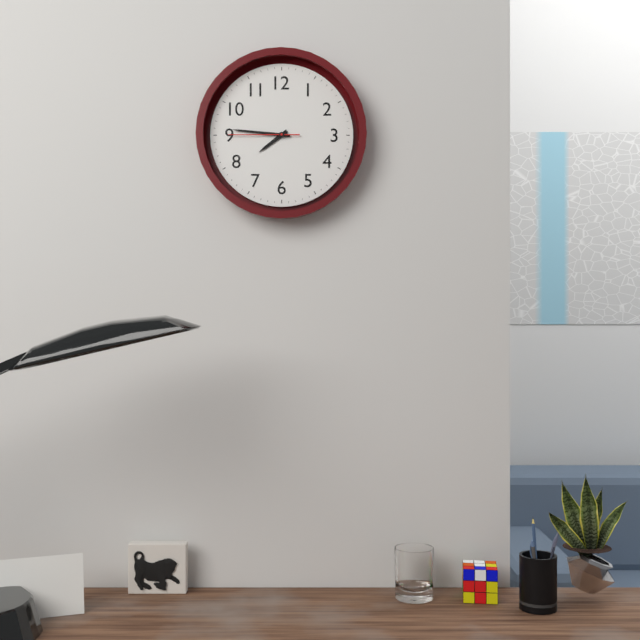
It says **7:46:45**
